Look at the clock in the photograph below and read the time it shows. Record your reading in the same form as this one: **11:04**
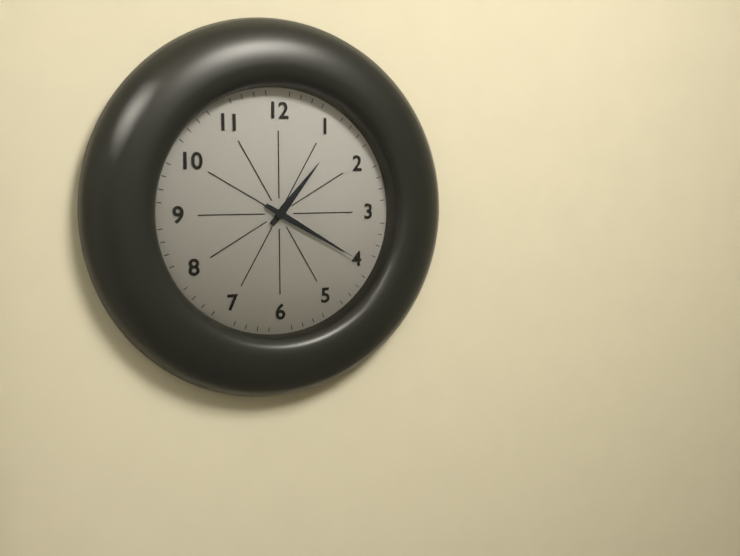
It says **1:20**
